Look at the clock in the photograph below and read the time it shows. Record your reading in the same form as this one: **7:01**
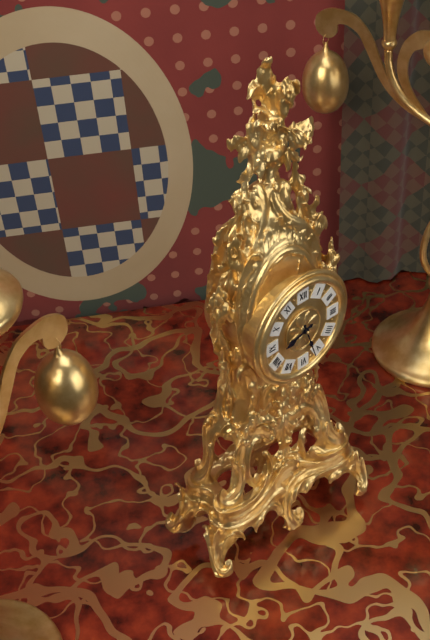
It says **8:27**
